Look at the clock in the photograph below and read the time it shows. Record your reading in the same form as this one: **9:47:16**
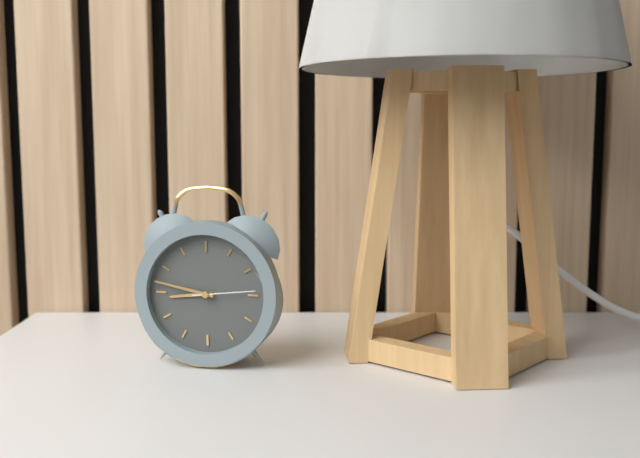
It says **8:47:14**
